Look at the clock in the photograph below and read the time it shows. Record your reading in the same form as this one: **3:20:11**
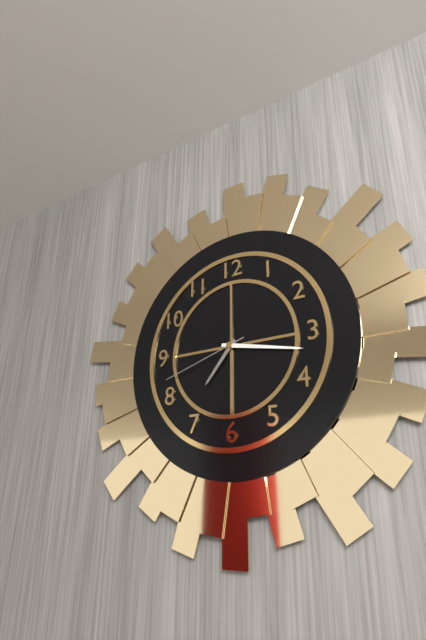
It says **7:17:42**
